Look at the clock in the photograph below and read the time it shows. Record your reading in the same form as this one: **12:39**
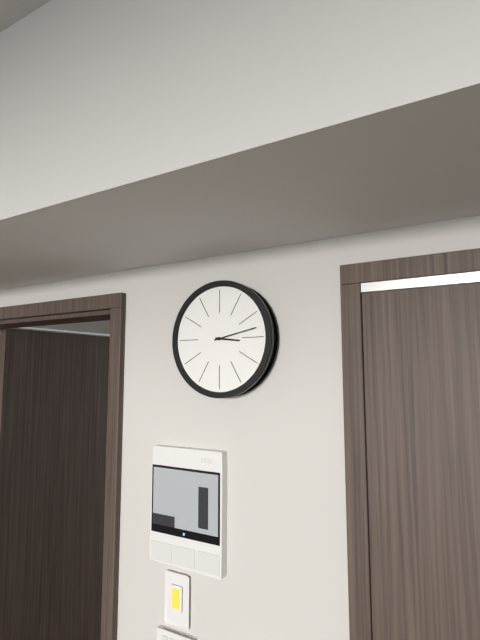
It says **3:13**
